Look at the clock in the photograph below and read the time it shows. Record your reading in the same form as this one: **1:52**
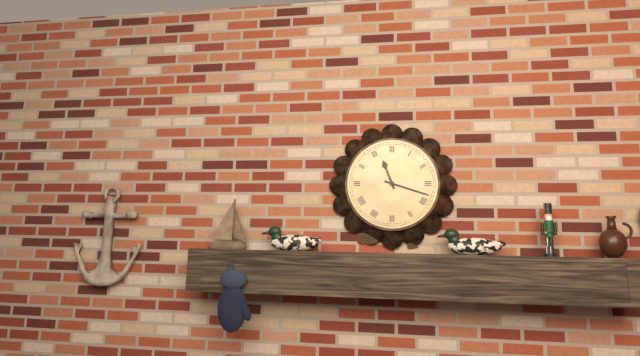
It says **11:18**
